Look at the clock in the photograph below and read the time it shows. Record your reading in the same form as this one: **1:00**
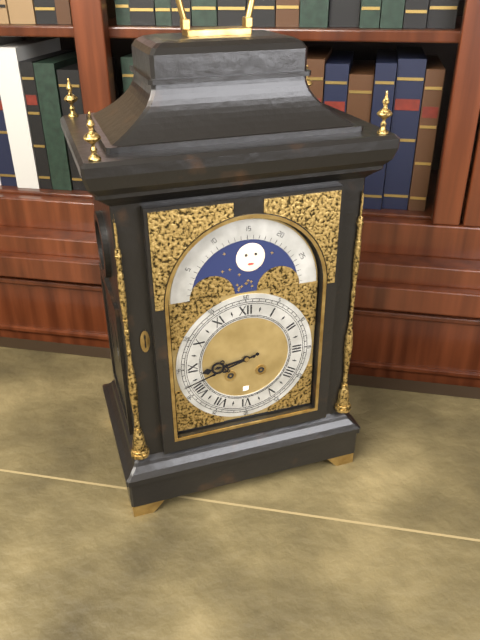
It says **8:42**
